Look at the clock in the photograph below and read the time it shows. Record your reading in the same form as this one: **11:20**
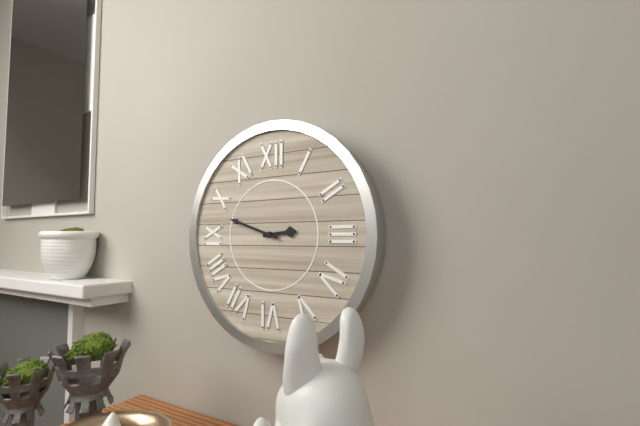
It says **2:48**
